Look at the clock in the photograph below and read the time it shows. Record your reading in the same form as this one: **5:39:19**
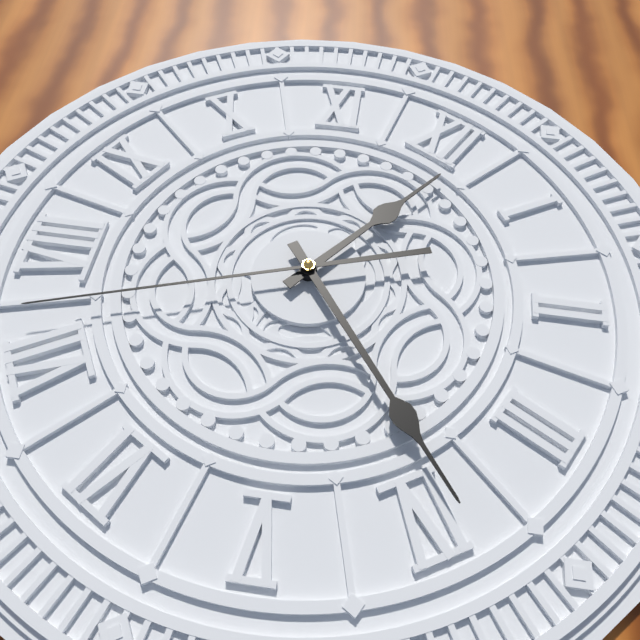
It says **12:19:37**
